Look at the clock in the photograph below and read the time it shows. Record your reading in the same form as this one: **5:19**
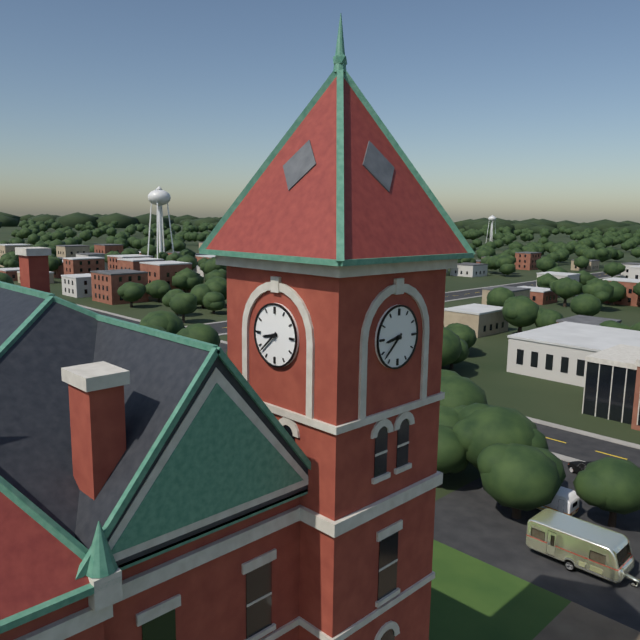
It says **8:38**
